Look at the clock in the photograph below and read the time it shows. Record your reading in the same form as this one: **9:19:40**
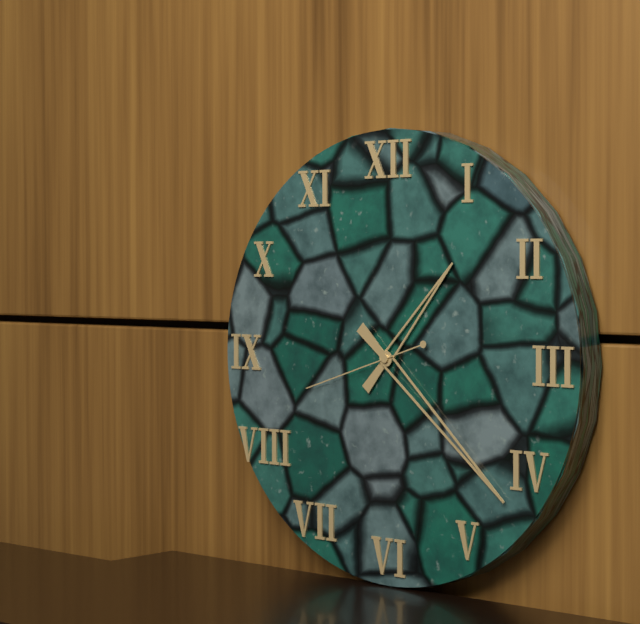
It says **1:22:42**
